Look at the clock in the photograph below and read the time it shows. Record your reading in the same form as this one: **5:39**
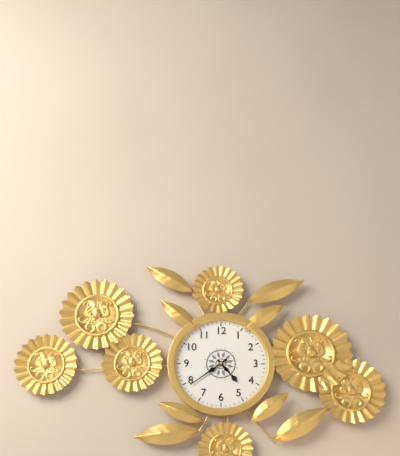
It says **4:39**
